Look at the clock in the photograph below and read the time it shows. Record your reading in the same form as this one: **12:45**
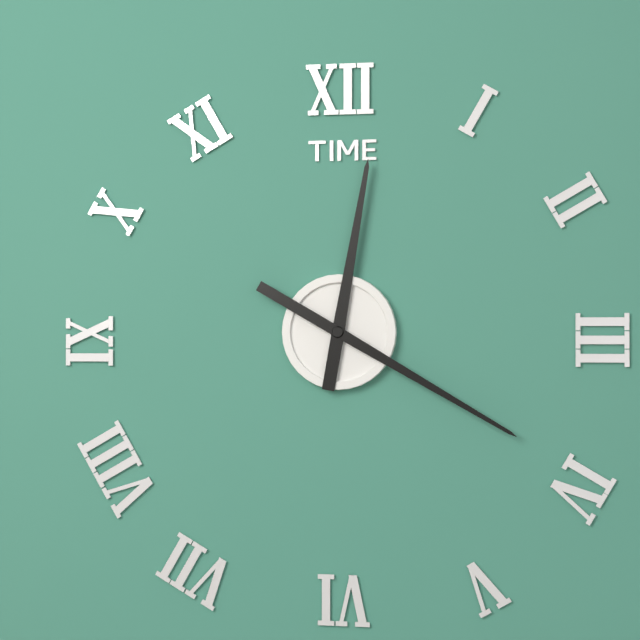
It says **12:20**
